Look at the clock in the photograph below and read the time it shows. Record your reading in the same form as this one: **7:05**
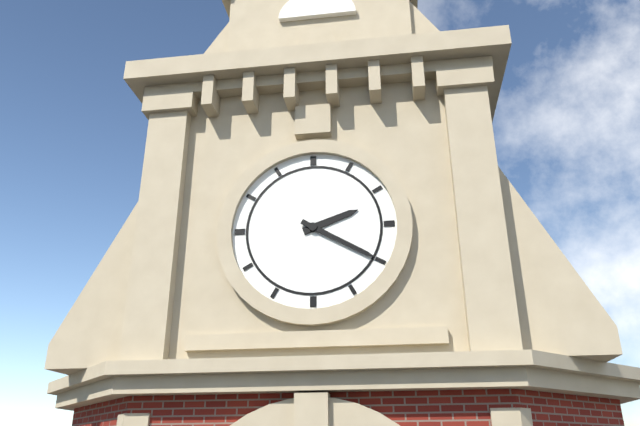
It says **2:20**
